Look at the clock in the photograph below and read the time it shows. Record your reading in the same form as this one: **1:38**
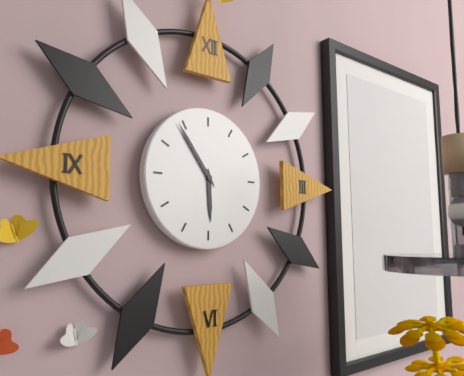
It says **5:54**
